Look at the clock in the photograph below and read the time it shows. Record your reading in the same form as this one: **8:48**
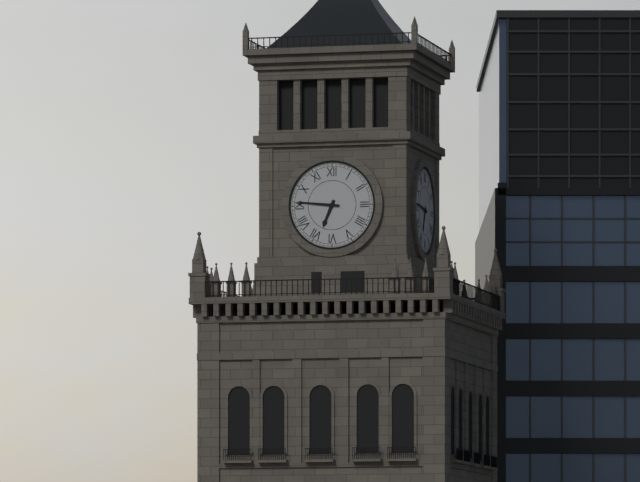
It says **6:46**
